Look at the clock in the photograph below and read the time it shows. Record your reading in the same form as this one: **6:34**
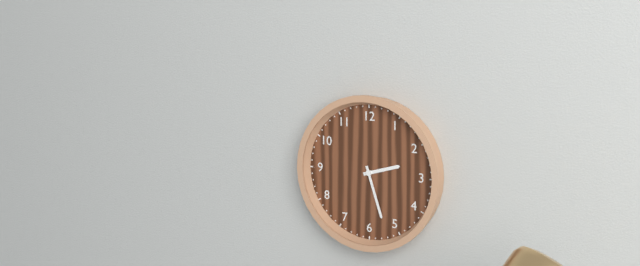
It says **2:27**
